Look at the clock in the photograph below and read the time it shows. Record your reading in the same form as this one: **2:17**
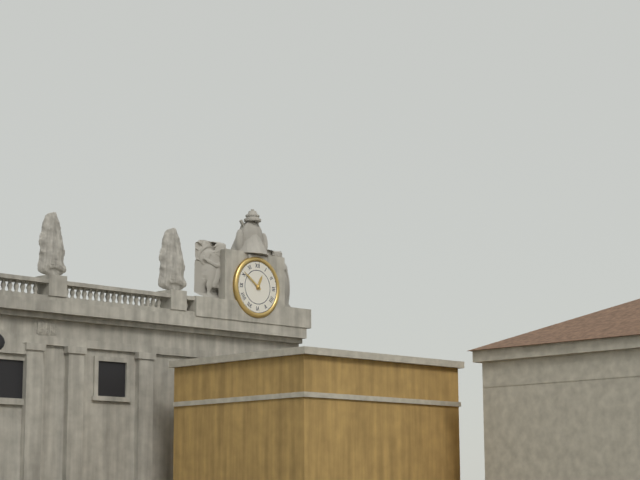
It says **12:51**
